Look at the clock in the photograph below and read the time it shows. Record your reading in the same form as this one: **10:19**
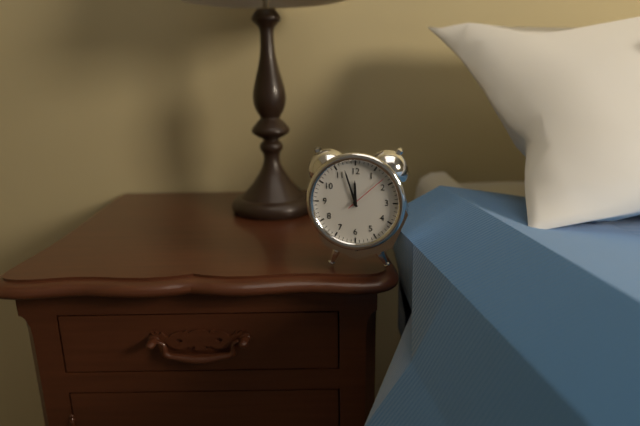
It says **11:57**
